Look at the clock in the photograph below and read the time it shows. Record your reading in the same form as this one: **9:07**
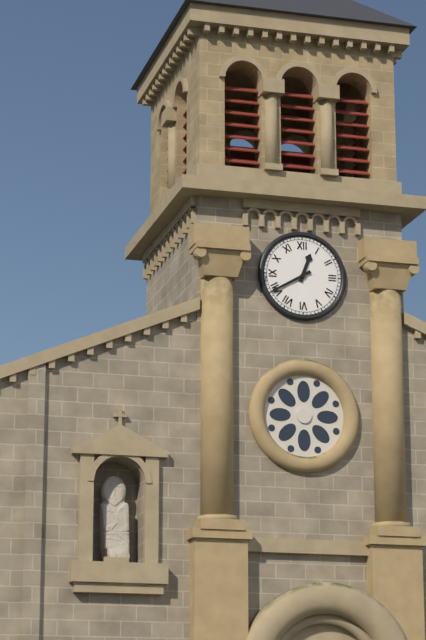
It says **12:40**
